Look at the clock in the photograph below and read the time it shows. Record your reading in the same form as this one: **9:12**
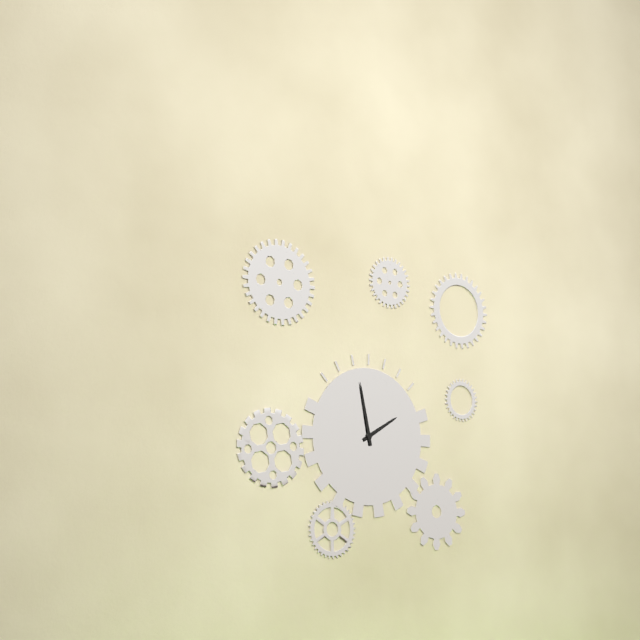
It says **1:58**
